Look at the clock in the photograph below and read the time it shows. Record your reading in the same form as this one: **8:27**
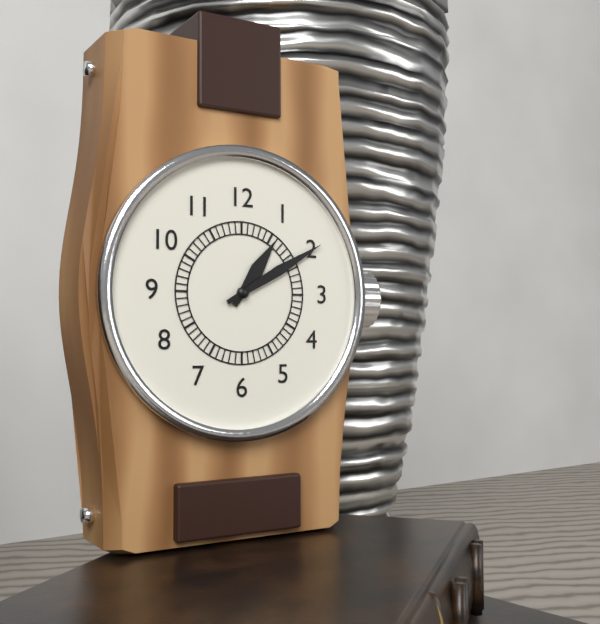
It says **1:10**
